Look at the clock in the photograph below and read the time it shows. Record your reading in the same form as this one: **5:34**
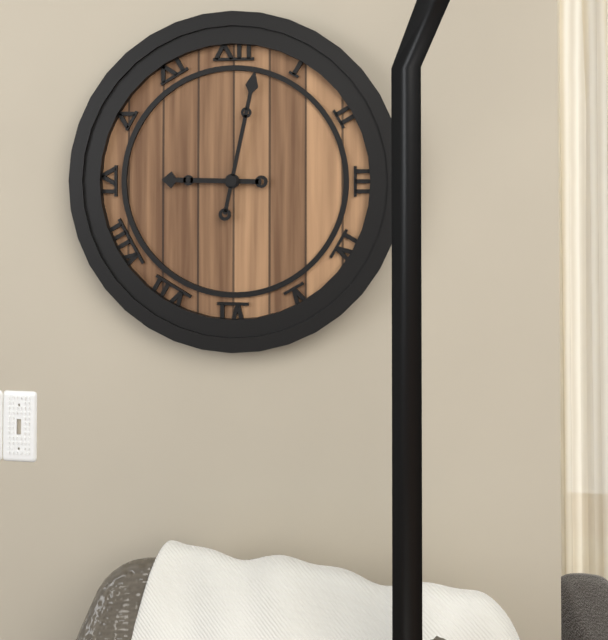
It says **9:02**
